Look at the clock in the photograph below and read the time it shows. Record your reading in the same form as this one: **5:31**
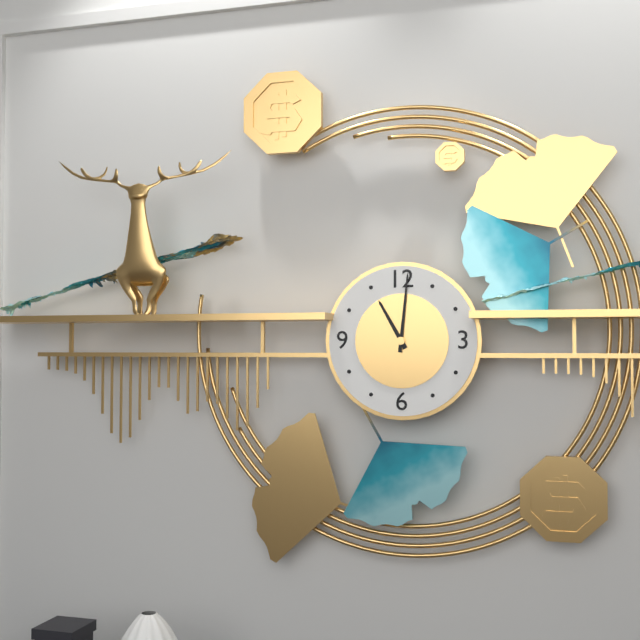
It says **11:01**
